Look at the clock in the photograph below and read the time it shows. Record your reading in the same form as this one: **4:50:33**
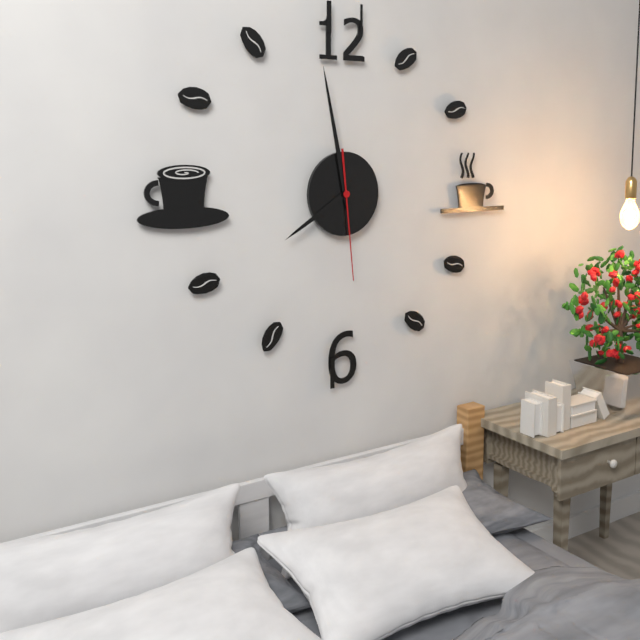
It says **7:58:29**
